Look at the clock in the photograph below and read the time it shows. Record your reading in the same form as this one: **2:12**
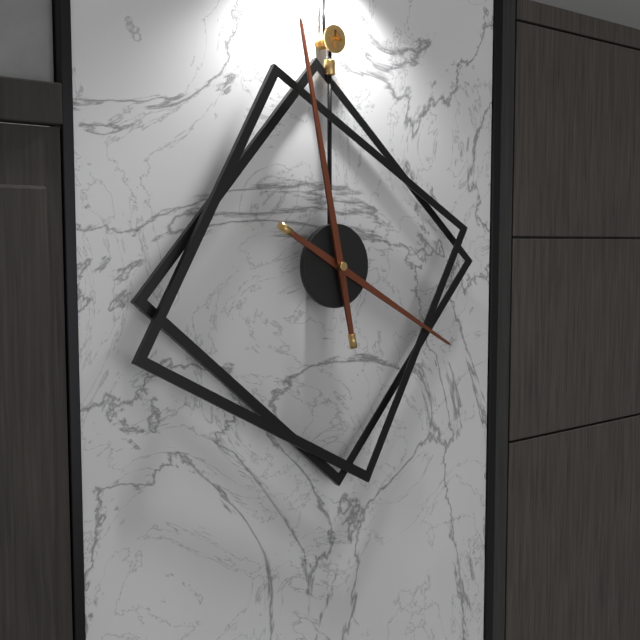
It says **3:58**
